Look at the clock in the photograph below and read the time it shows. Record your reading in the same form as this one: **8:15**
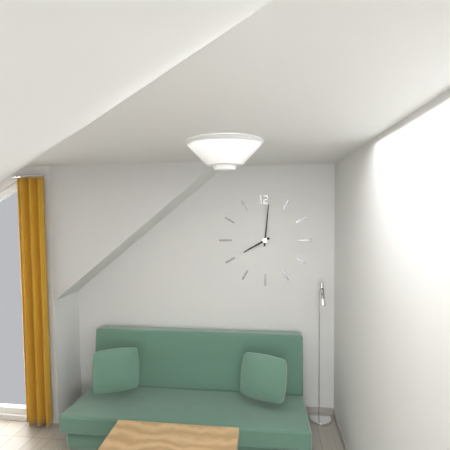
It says **8:01**
